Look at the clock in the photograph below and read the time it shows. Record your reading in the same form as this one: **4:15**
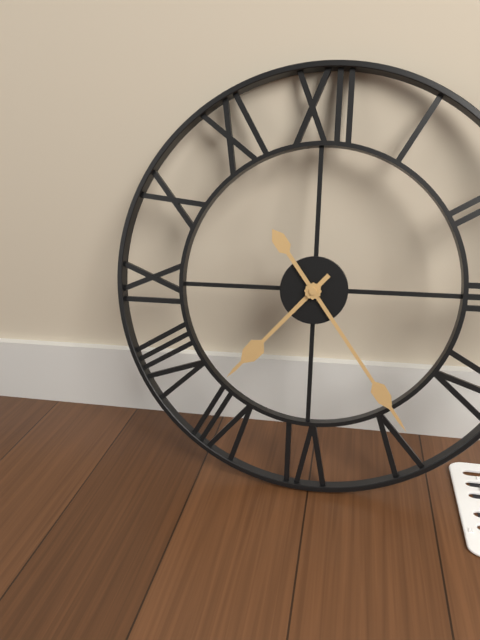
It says **7:24**
